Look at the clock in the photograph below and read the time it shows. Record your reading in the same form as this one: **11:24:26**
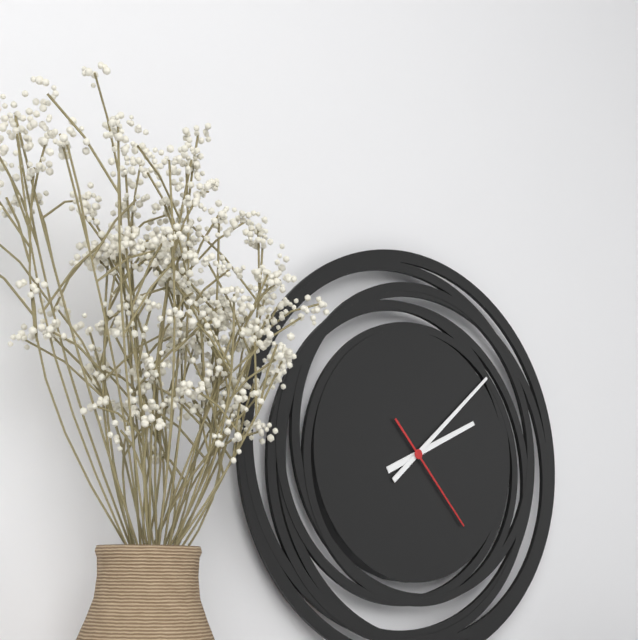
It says **2:08:23**
